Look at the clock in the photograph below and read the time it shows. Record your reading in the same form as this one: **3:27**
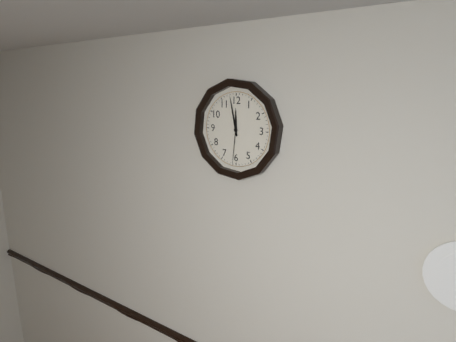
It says **11:58**
